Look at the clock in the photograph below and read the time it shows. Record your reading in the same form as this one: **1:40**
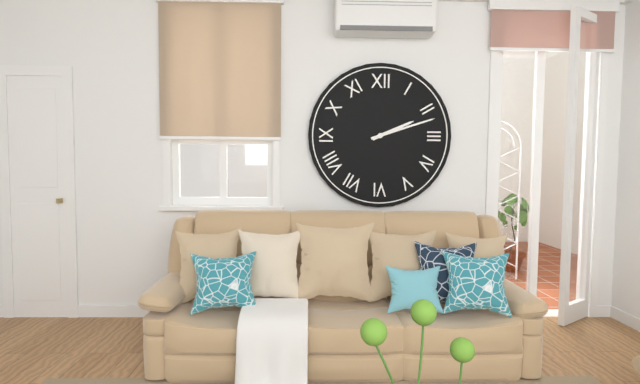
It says **2:12**
